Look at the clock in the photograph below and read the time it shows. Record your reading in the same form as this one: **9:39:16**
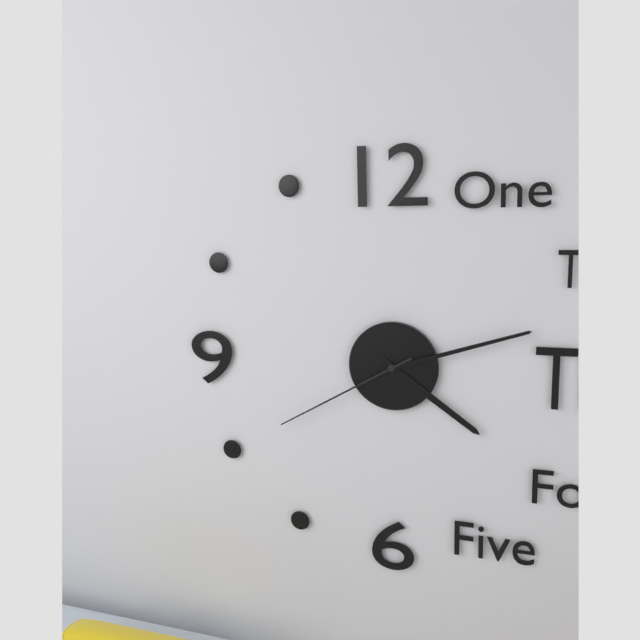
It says **4:12:40**
